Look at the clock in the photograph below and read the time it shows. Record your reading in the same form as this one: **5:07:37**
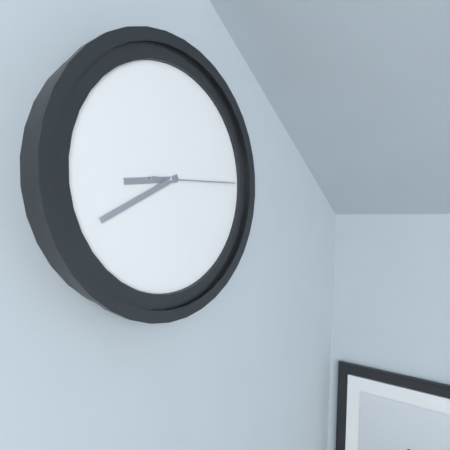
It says **8:40:14**
